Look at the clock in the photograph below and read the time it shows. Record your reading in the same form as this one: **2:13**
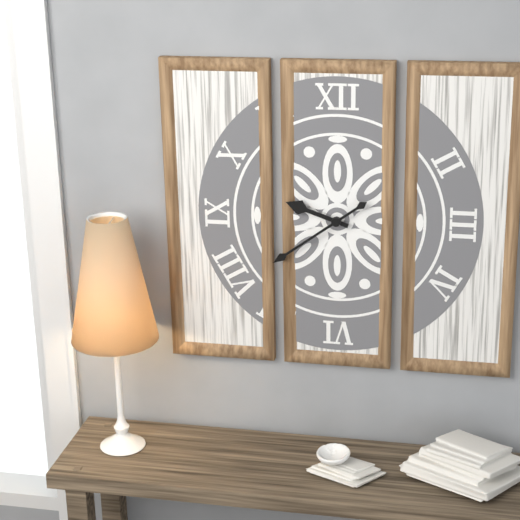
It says **9:39**
